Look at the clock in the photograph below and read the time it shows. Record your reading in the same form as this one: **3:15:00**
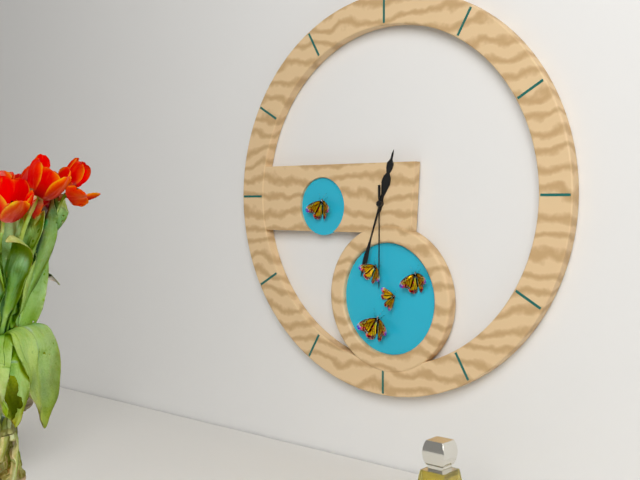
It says **12:33:30**
